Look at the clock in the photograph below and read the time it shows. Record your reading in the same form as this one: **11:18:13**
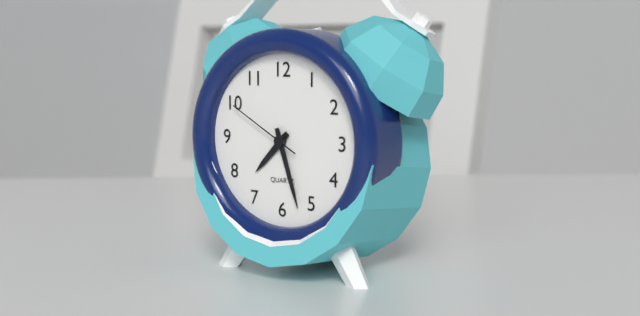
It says **7:27:50**
